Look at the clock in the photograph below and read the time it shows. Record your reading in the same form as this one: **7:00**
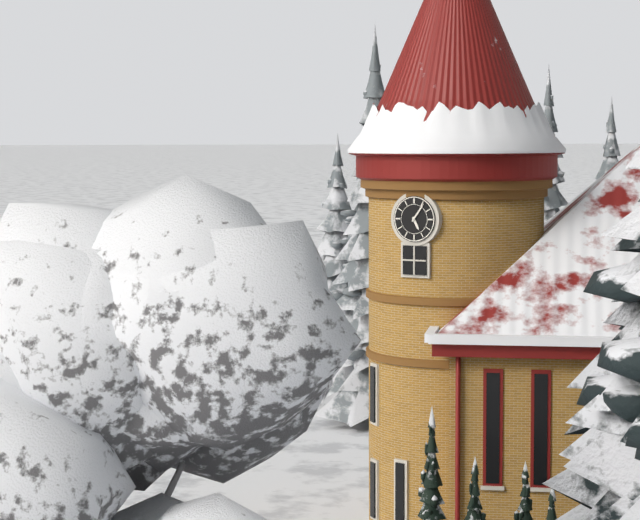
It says **5:06**
